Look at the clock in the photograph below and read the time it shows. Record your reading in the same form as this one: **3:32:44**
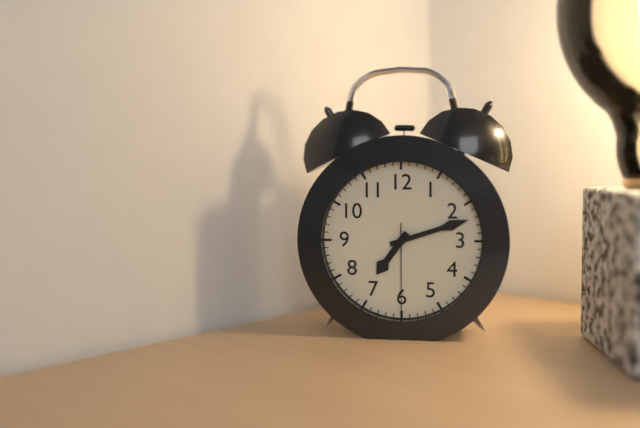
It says **7:12:30**
